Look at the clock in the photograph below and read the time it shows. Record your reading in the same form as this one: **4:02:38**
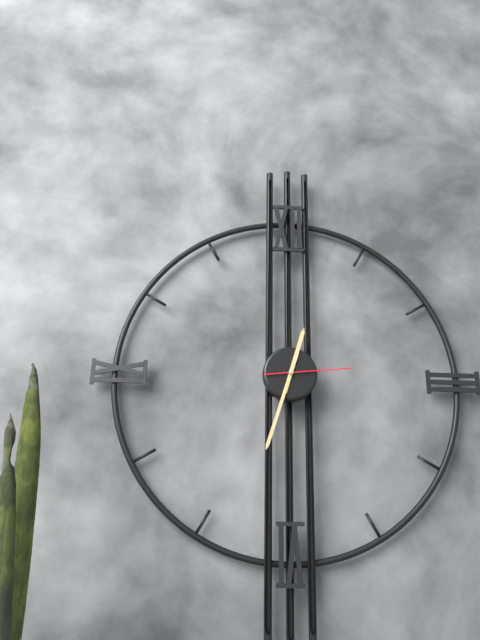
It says **12:33:14**
